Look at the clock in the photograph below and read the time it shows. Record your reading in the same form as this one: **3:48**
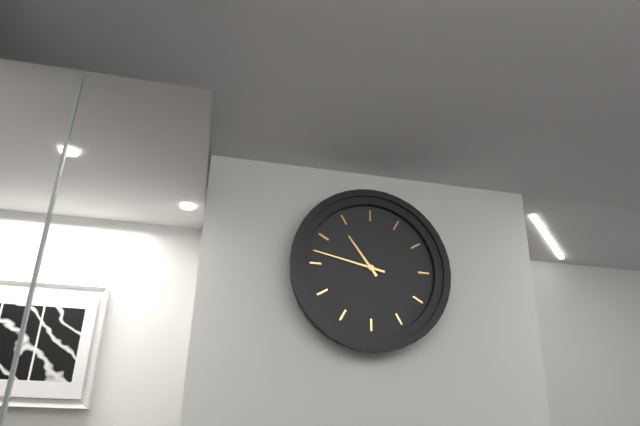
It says **10:47**
